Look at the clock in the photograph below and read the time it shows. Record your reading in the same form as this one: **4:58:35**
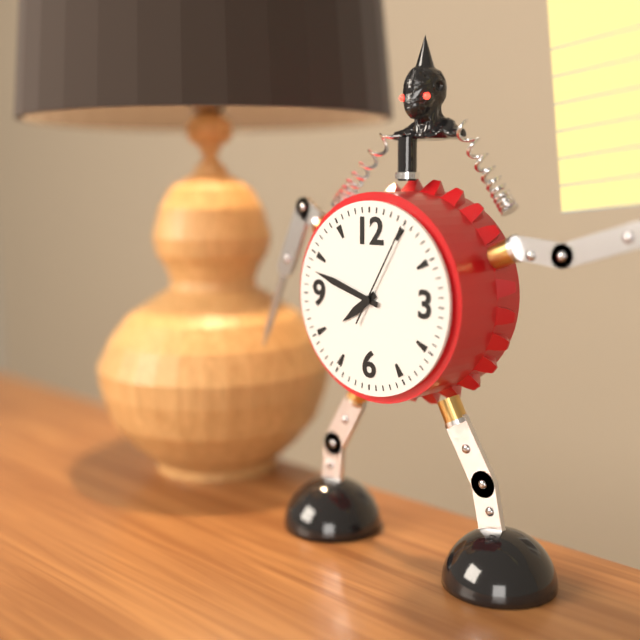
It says **7:48:05**
